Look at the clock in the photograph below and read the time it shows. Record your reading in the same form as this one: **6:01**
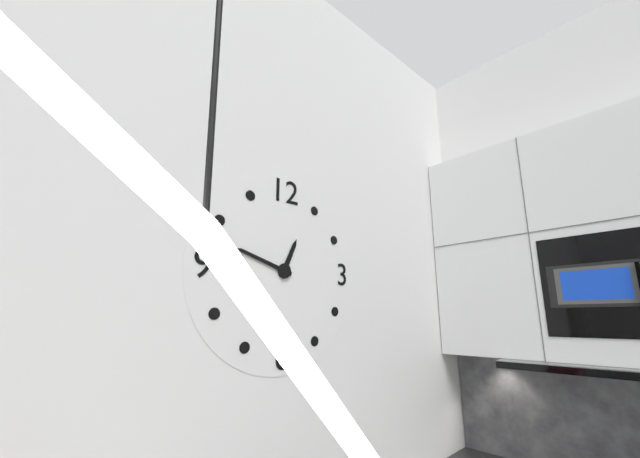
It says **12:48**
